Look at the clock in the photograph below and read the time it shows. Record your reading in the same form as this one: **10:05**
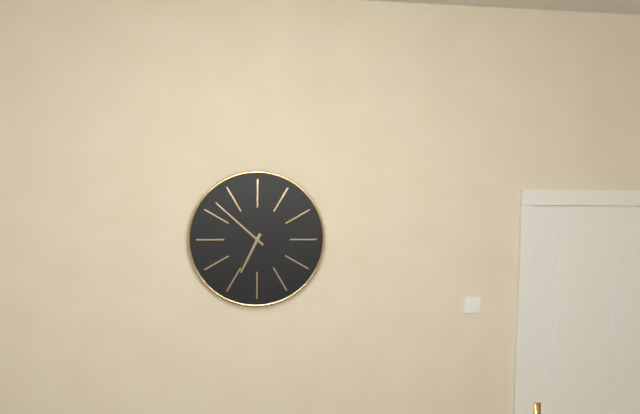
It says **6:52**
